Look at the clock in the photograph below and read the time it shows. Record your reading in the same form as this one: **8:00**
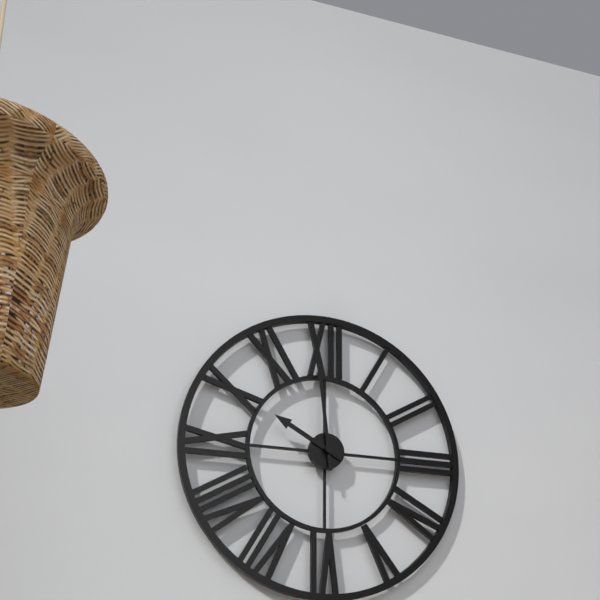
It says **9:59**
